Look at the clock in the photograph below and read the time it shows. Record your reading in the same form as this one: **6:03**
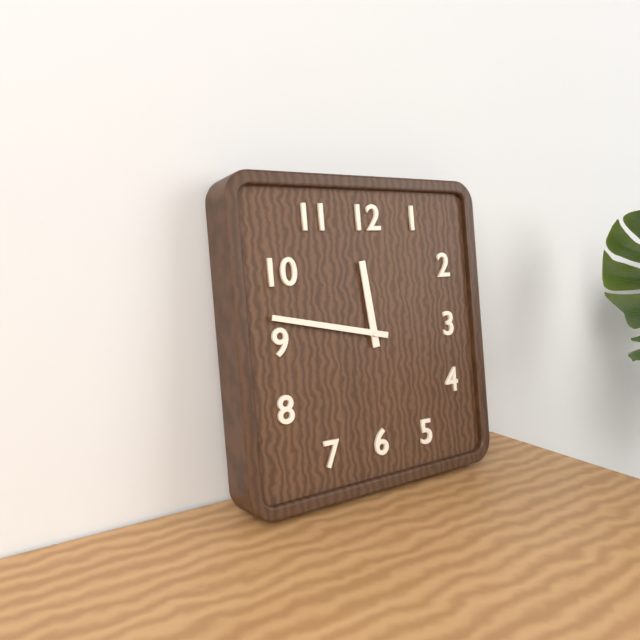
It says **11:47**
